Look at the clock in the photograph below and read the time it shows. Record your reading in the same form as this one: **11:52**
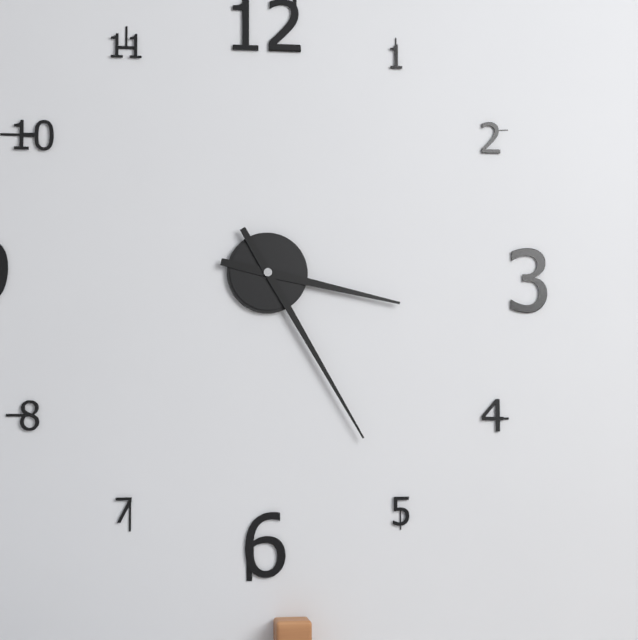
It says **3:25**
